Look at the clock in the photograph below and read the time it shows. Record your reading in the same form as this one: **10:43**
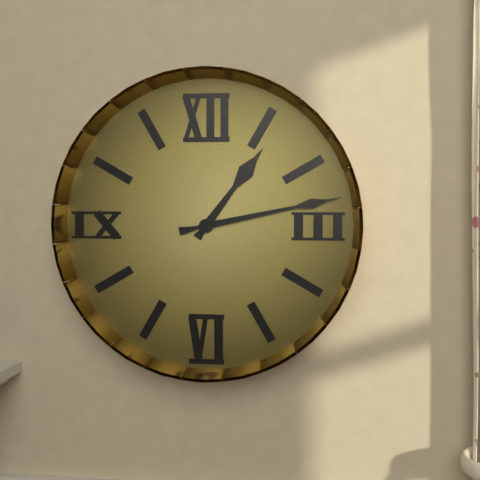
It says **1:13**
